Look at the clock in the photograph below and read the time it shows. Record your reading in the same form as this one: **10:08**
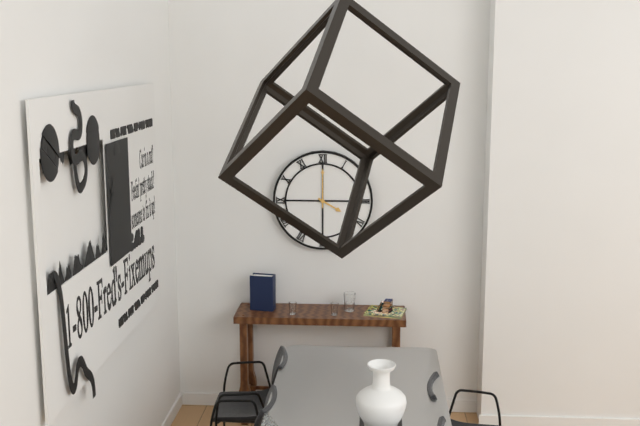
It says **4:00**
